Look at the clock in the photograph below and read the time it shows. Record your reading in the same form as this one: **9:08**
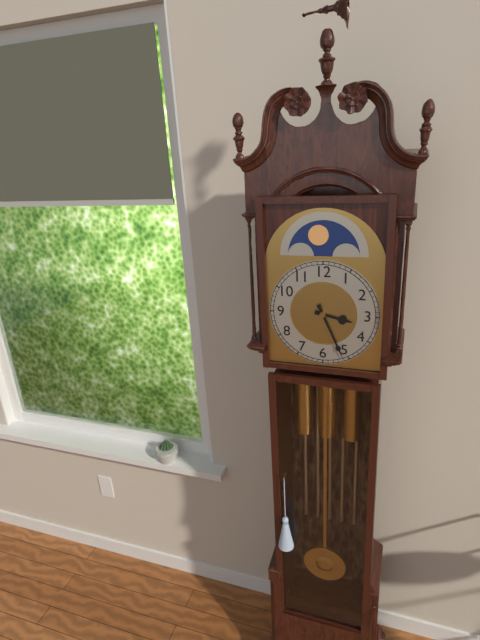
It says **3:26**
